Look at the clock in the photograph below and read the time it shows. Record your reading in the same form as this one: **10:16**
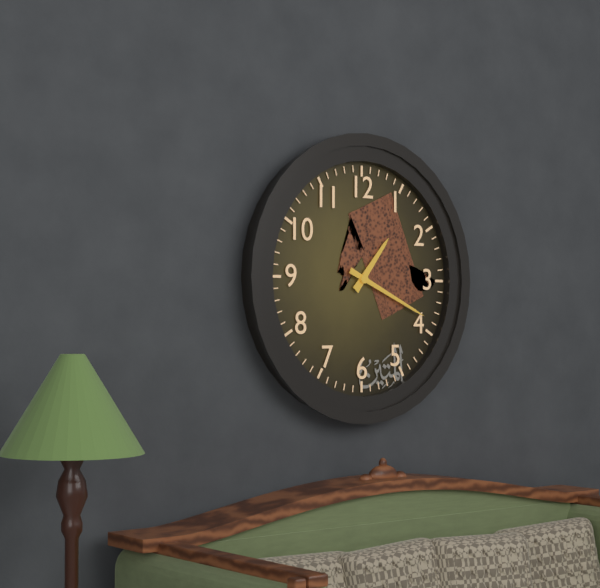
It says **1:19**
